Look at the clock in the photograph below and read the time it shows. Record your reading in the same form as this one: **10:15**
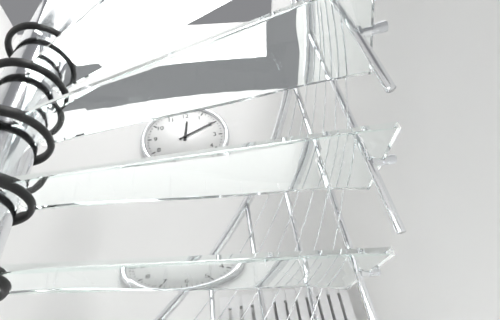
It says **12:10**
